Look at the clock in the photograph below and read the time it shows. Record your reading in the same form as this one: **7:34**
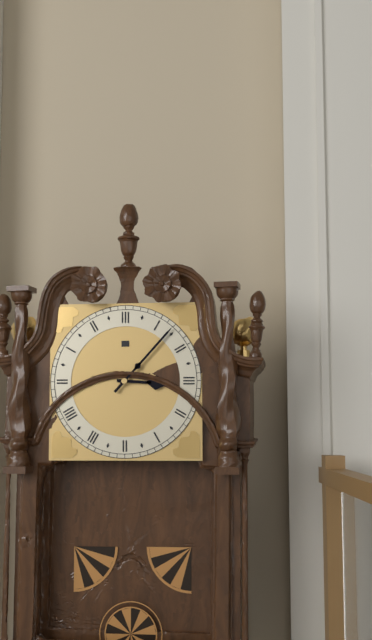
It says **3:07**
